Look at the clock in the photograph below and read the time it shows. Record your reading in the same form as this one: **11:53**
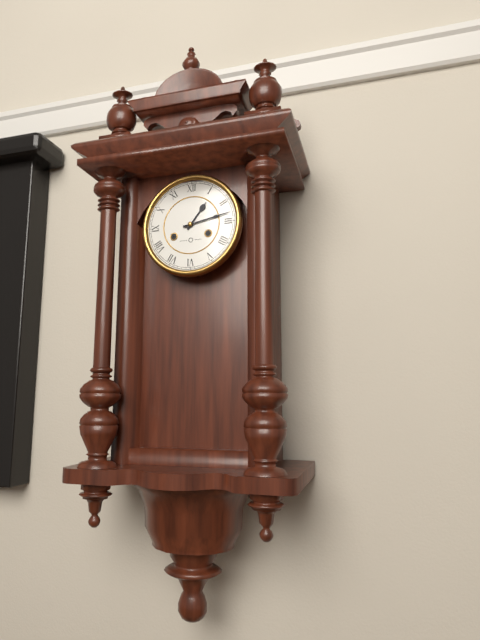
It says **1:13**
